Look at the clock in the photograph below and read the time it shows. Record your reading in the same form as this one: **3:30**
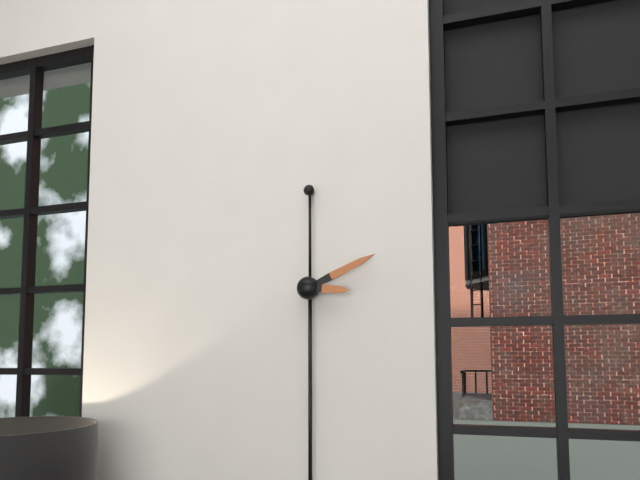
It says **3:11**
